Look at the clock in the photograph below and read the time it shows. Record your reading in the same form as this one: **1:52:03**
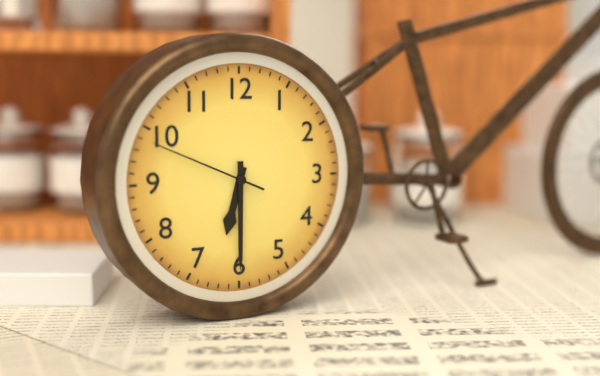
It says **6:30:49**
